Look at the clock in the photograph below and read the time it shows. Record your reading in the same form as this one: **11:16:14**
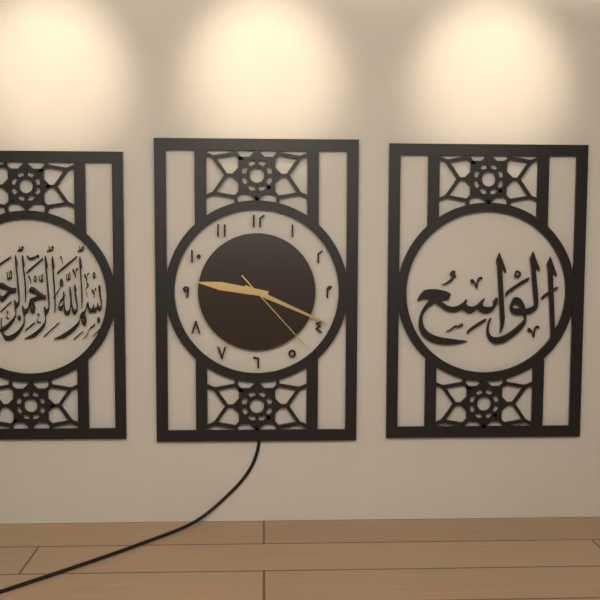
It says **9:19:23**
